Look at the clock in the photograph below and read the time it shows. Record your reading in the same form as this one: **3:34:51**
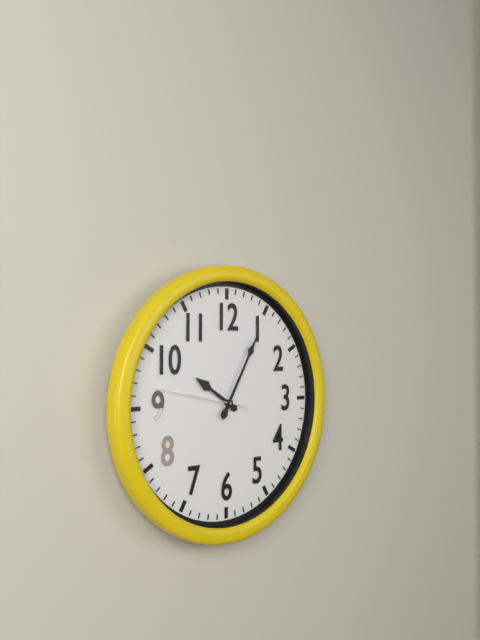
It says **10:05:47**
